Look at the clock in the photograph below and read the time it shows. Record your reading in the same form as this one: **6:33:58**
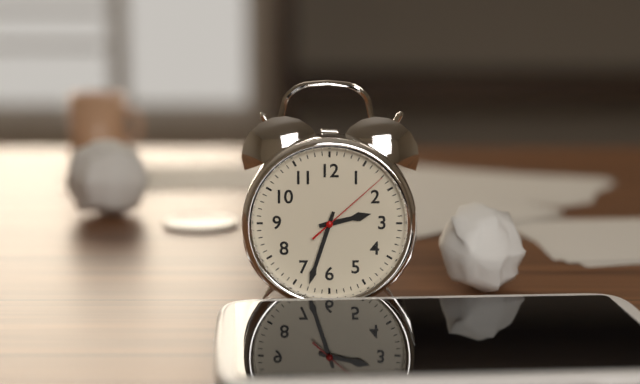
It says **2:33:08**
